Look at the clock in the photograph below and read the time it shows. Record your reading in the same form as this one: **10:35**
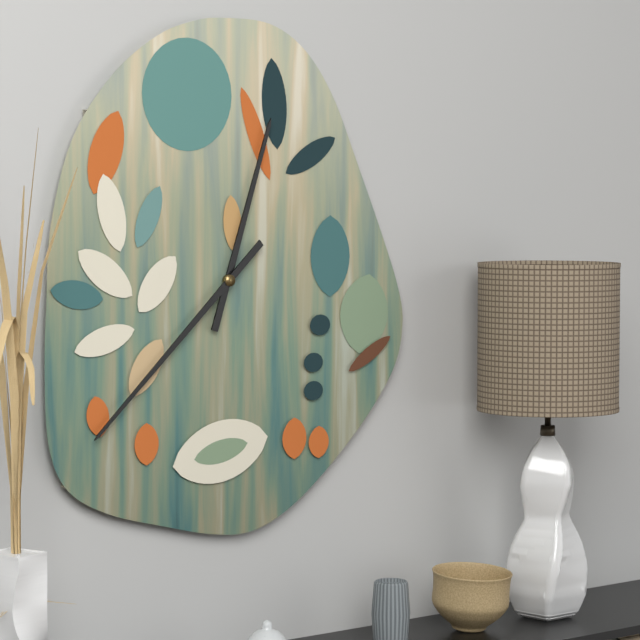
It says **12:38**
